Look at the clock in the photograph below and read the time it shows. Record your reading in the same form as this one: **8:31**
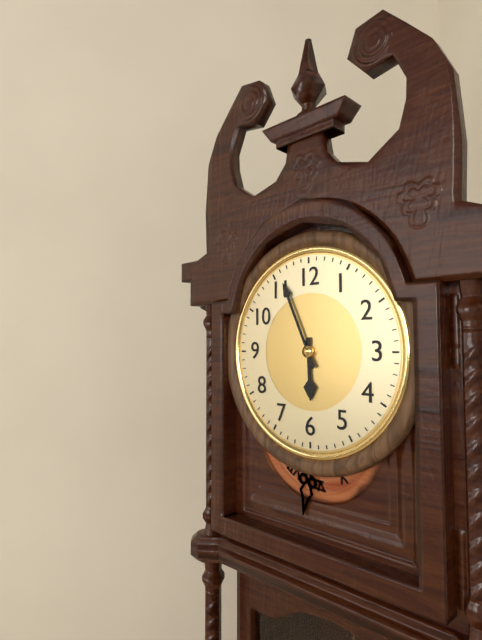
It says **5:56**
